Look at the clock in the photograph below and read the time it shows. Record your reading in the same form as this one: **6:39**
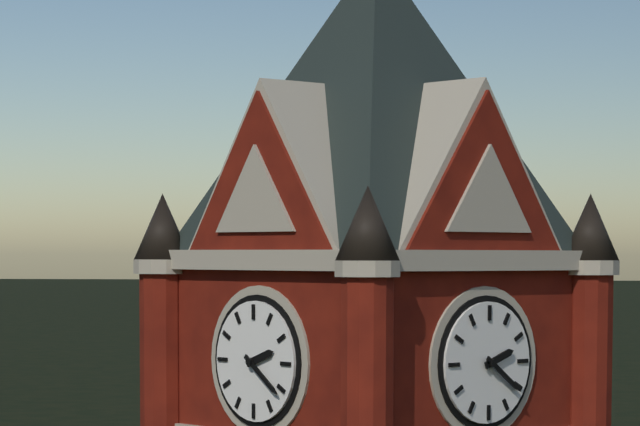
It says **2:21**
